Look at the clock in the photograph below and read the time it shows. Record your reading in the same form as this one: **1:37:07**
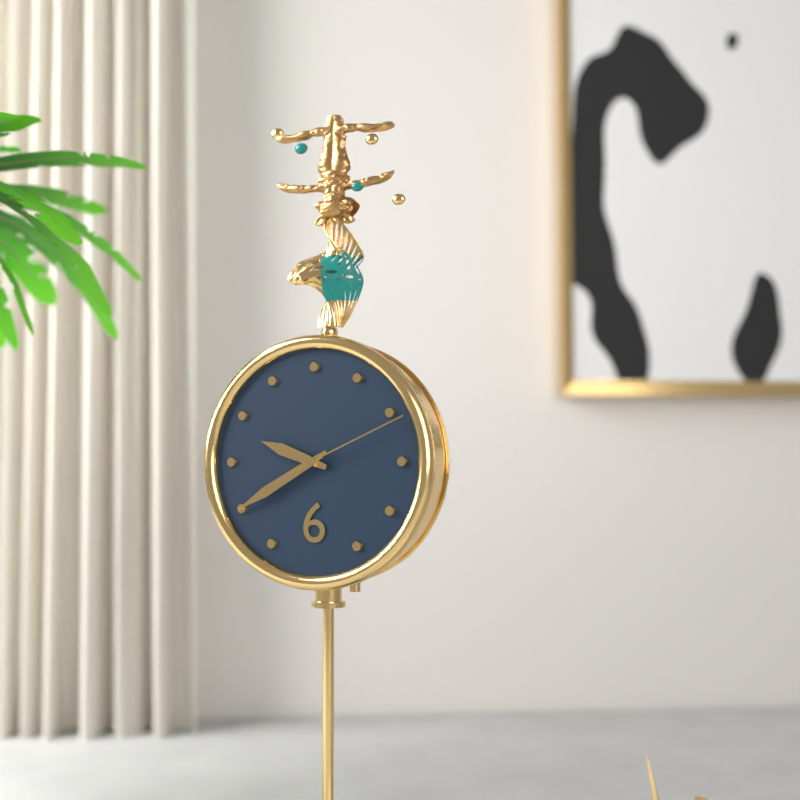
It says **9:40:11**
